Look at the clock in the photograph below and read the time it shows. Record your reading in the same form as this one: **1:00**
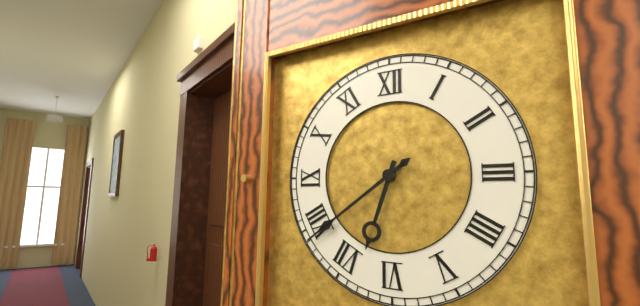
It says **6:39**
